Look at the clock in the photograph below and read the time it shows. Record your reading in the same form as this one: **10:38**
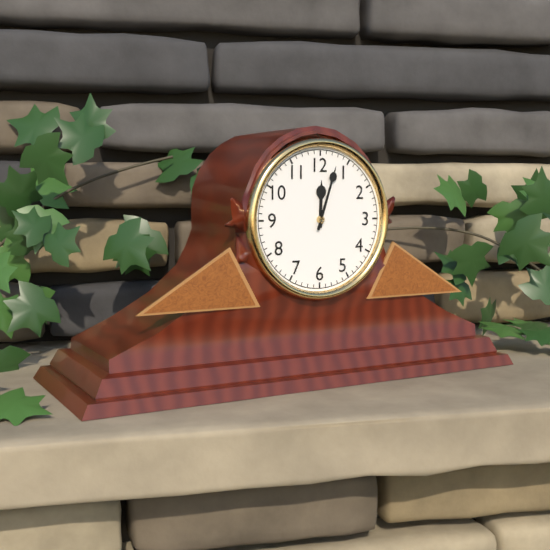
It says **12:03**
